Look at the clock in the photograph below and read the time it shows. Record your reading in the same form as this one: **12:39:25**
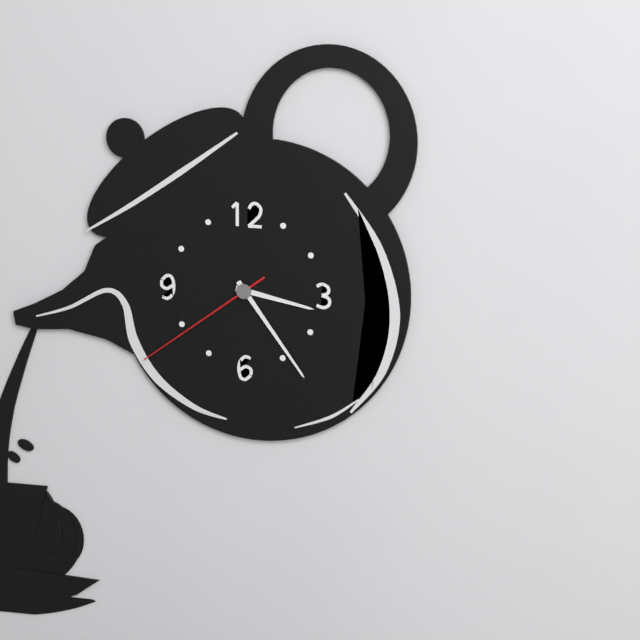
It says **3:24:39**
